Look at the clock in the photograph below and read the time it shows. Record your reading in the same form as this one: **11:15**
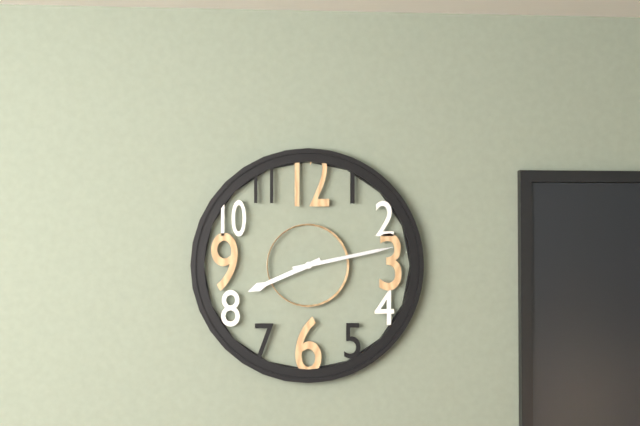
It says **8:13**
